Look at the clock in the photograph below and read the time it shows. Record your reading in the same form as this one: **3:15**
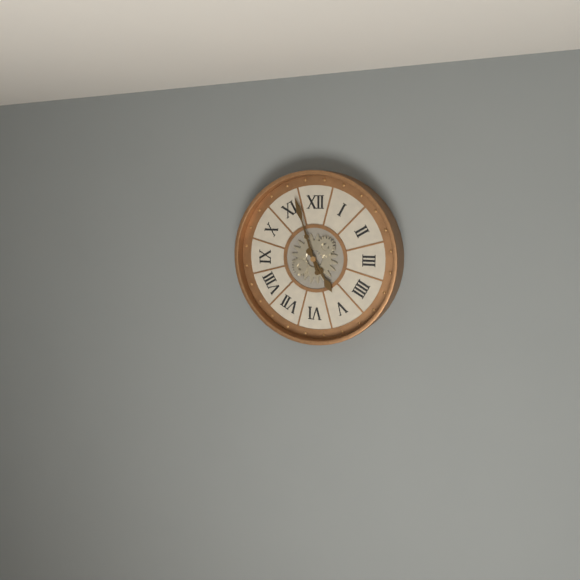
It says **4:57**
